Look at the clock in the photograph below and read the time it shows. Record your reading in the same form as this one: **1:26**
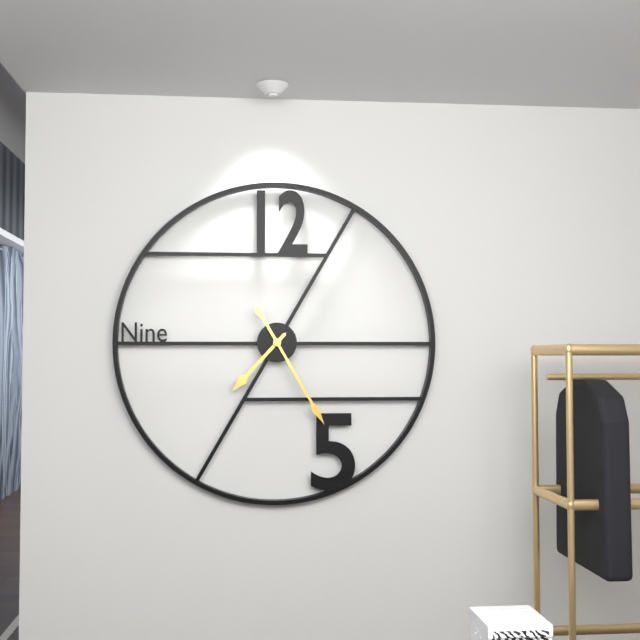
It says **7:25**
